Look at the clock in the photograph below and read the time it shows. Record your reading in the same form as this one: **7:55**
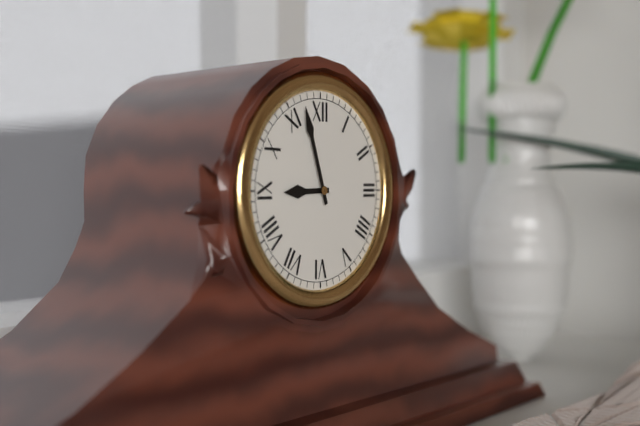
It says **8:57**
